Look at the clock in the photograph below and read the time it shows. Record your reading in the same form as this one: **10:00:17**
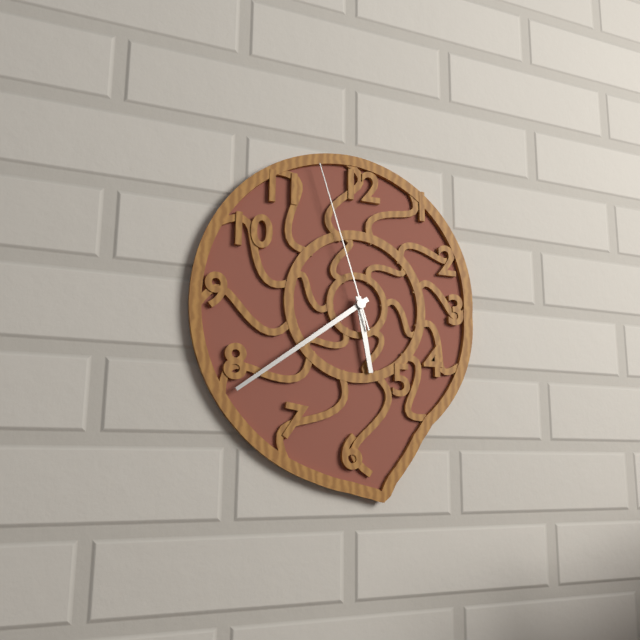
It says **5:39:57**
